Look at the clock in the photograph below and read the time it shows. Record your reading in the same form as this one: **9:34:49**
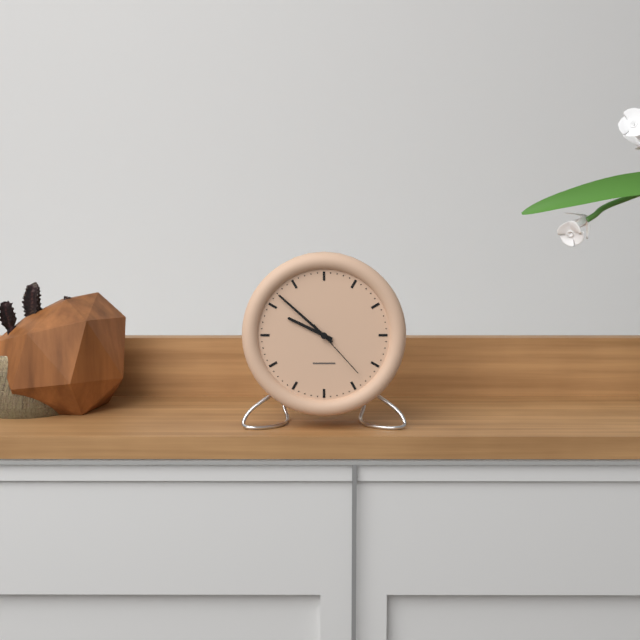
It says **9:52:23**
